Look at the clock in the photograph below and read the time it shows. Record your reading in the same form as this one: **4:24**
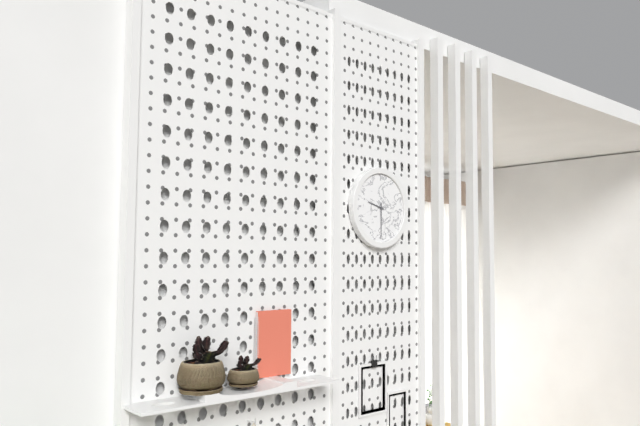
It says **9:30**
